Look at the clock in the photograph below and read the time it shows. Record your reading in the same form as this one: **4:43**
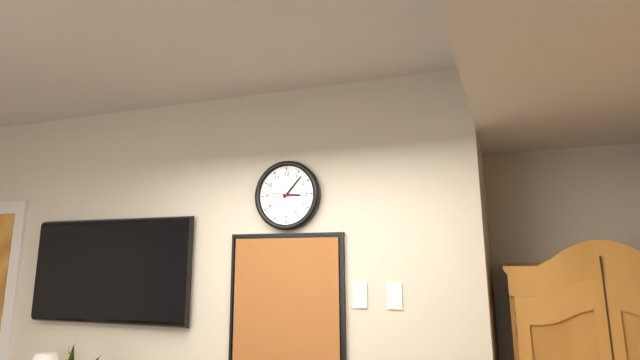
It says **3:07**
